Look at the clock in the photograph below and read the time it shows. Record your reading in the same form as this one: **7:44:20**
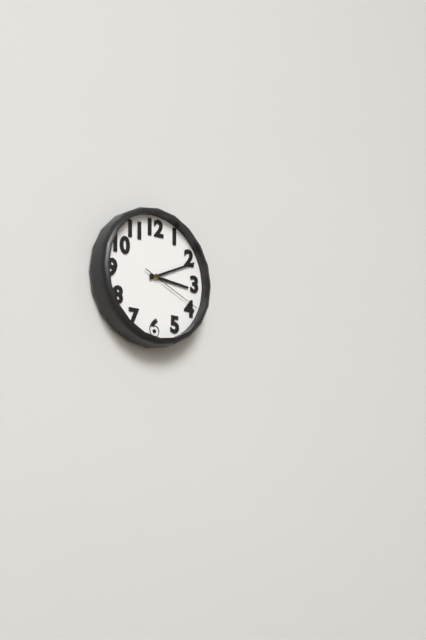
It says **3:11:19**
